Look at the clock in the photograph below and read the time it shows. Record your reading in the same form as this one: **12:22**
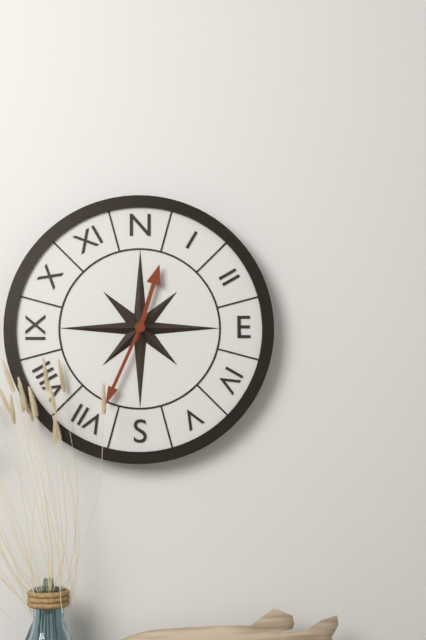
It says **12:34**
